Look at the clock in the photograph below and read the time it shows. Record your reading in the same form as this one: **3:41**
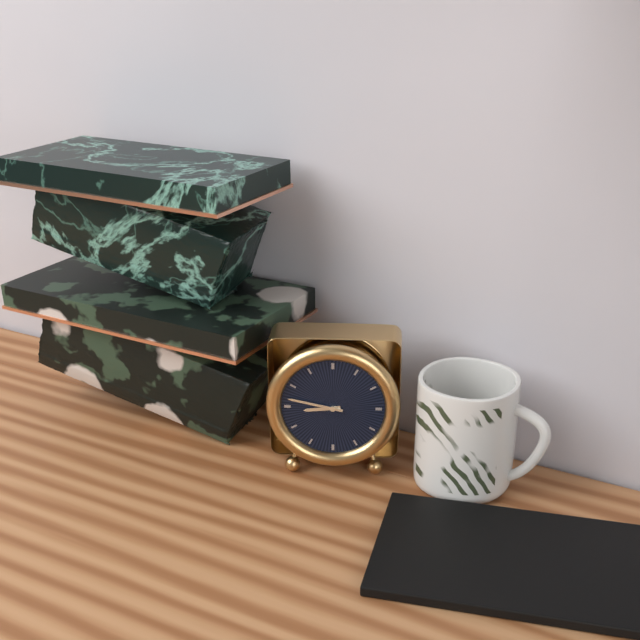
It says **8:47**
